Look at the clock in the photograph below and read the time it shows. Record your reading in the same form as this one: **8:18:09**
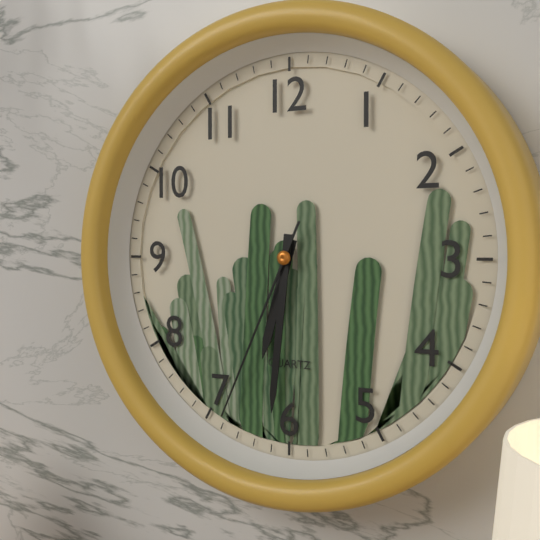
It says **6:31:34**
